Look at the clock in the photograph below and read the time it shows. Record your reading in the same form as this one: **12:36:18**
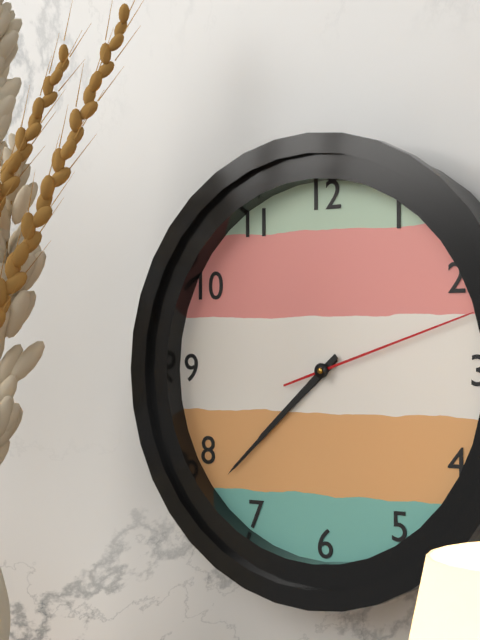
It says **7:38:12**
